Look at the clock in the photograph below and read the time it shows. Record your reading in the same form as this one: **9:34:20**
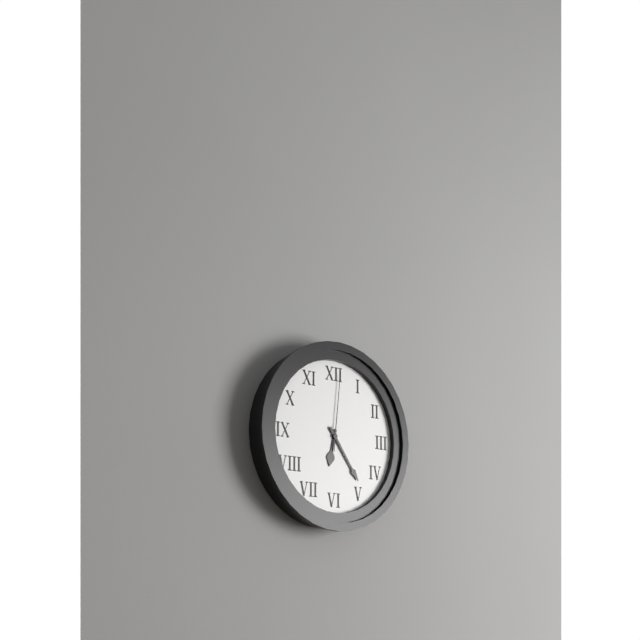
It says **6:24:01**
